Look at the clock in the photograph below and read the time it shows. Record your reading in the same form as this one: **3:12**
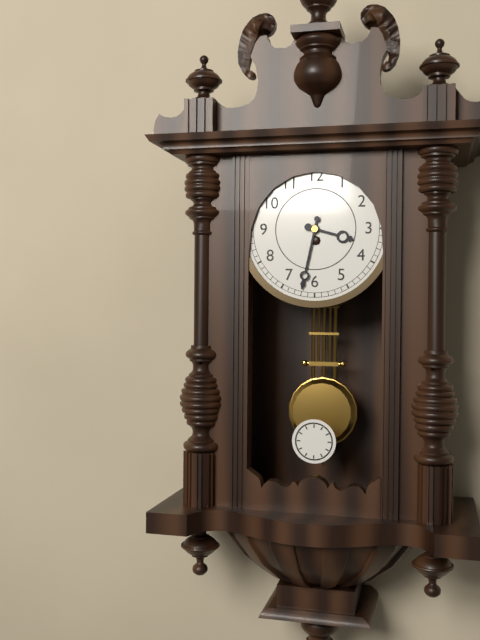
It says **3:32**
